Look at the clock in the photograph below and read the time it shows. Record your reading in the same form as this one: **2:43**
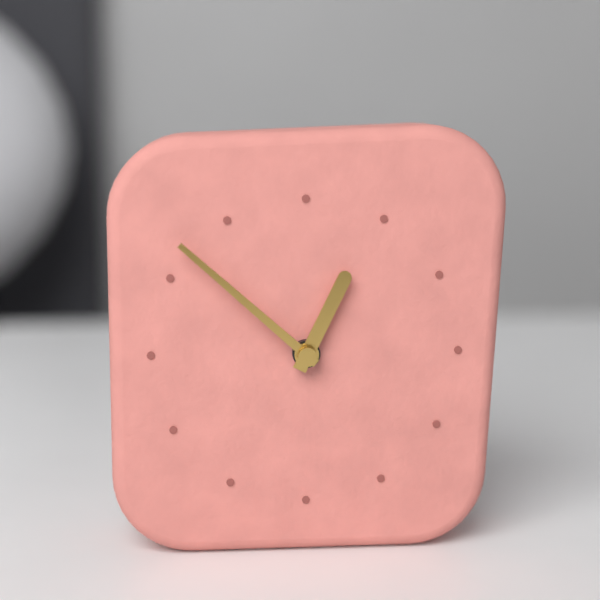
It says **12:52**
